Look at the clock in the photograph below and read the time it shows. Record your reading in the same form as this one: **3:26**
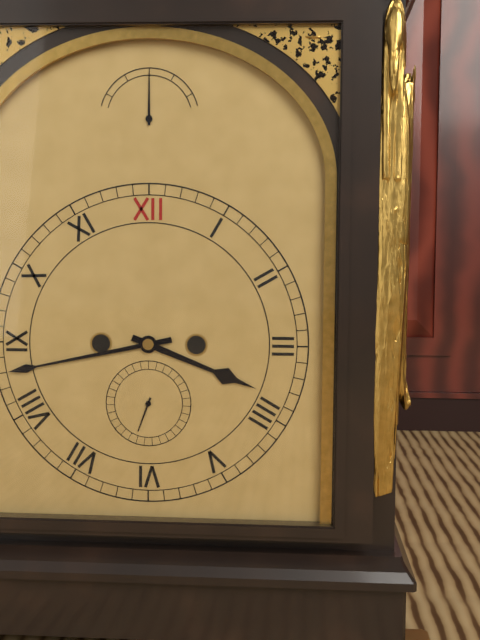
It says **3:43**
